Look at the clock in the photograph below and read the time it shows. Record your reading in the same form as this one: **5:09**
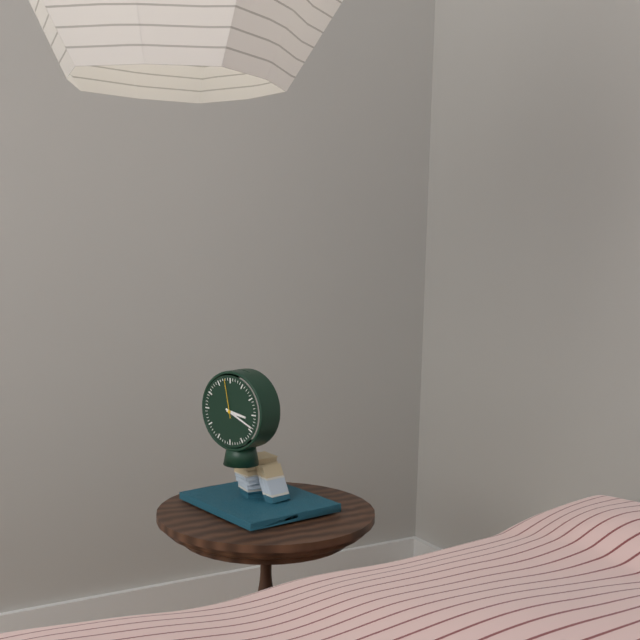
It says **3:19**
